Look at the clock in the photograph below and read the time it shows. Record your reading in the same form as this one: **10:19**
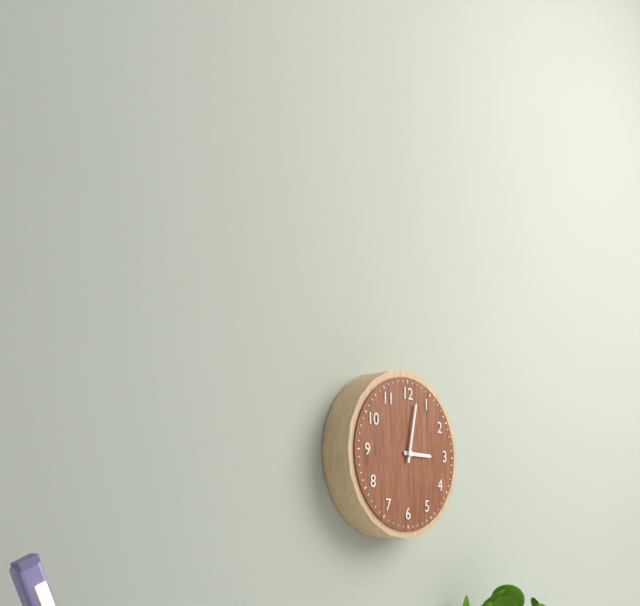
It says **3:02**
